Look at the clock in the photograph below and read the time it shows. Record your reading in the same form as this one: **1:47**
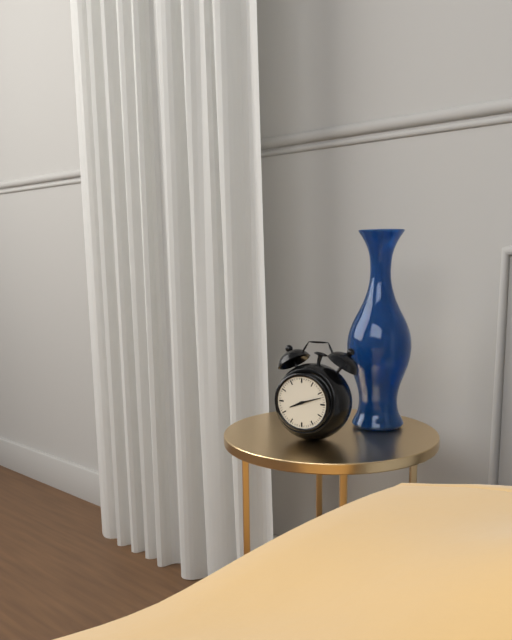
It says **8:12**
